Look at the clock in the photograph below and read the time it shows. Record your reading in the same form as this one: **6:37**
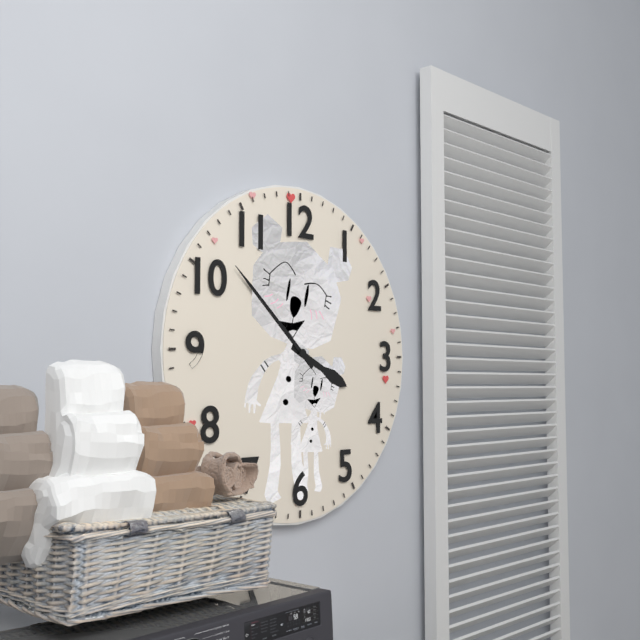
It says **3:52**
